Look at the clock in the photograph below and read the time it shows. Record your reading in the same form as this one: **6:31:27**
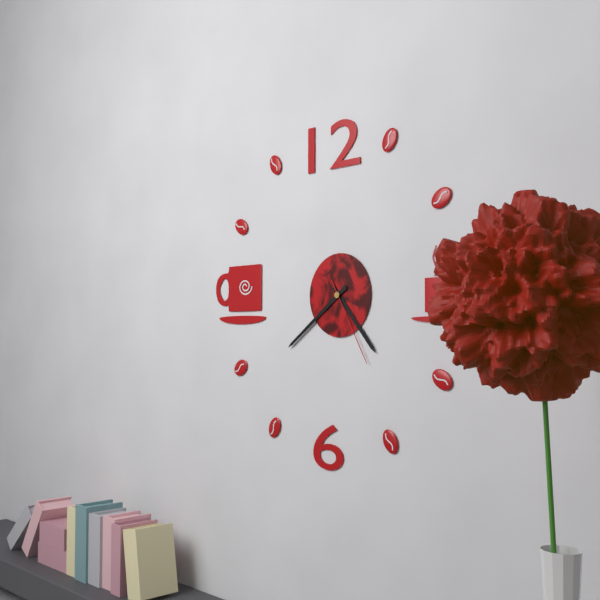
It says **4:39:25**
